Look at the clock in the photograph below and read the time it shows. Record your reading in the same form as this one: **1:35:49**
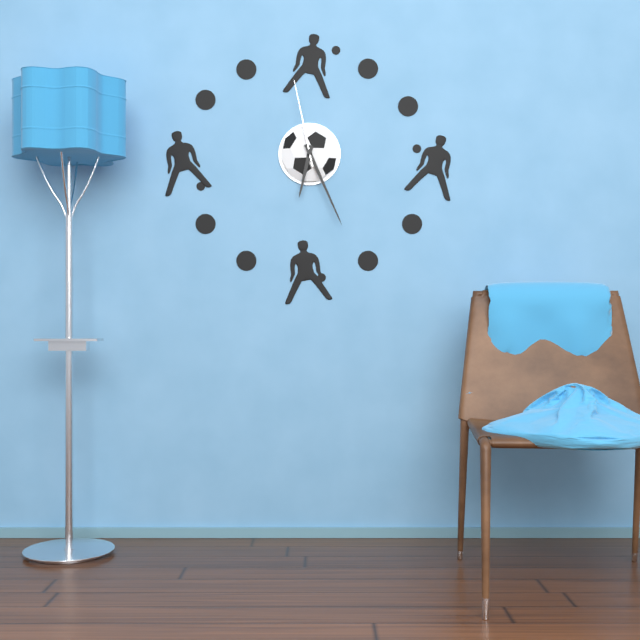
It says **6:26:58**
